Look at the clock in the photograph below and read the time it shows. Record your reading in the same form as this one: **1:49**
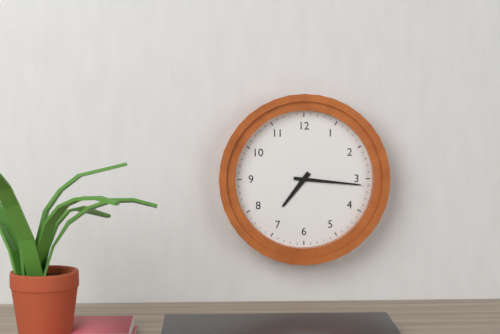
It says **7:16**
